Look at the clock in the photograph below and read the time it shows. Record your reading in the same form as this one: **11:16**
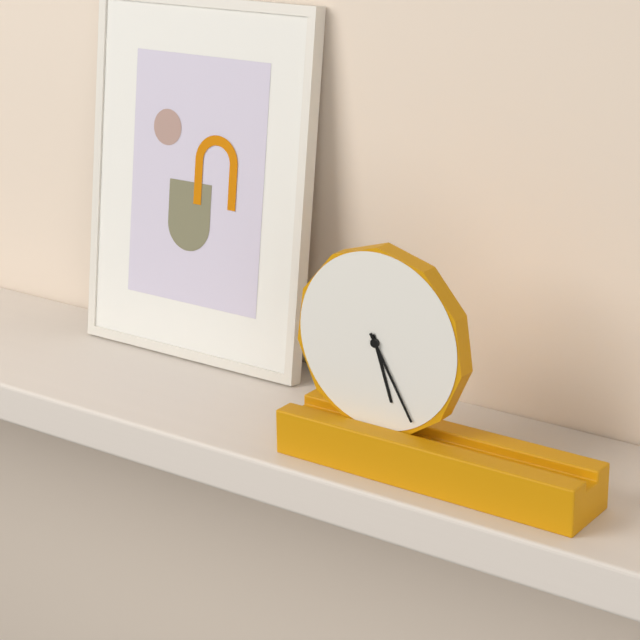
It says **5:25**
